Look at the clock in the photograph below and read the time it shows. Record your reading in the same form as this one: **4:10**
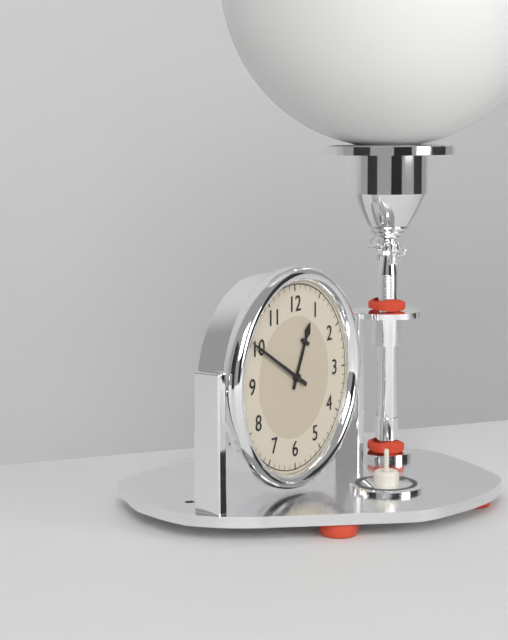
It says **12:50**
